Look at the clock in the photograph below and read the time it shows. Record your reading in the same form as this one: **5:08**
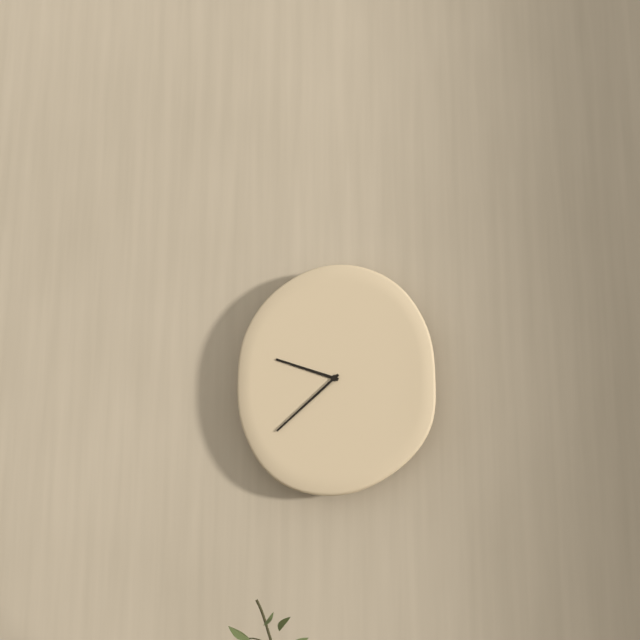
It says **9:38**
